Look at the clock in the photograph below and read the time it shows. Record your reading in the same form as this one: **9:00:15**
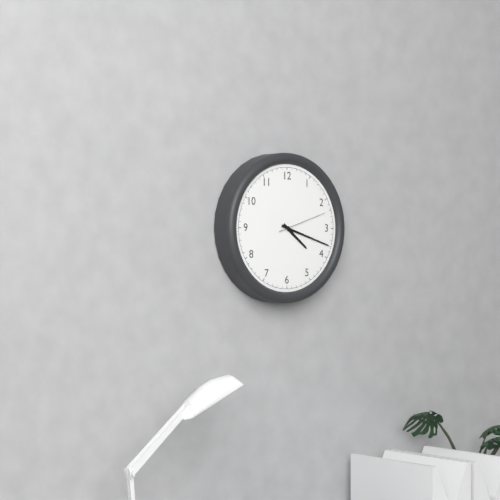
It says **4:18:12**
